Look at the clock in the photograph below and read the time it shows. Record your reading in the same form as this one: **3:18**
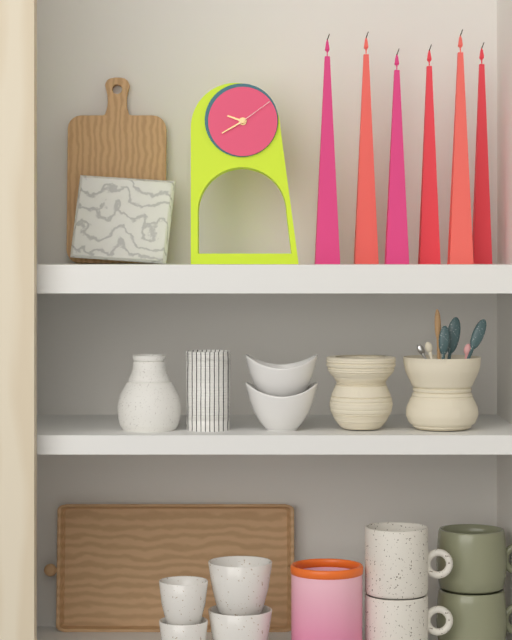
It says **9:40**
